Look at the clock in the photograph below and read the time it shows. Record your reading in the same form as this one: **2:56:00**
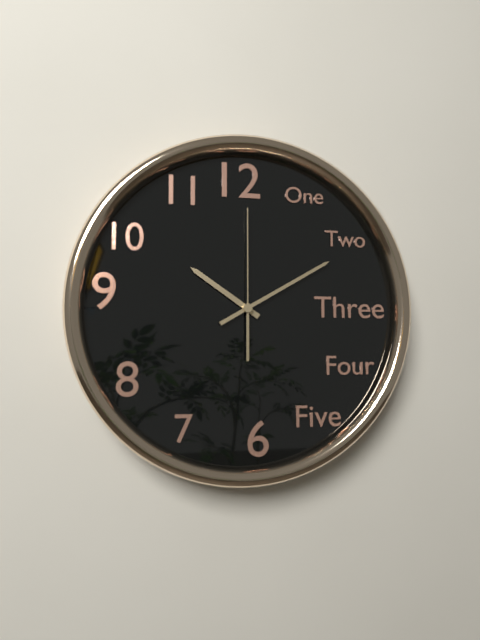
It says **10:10:00**
